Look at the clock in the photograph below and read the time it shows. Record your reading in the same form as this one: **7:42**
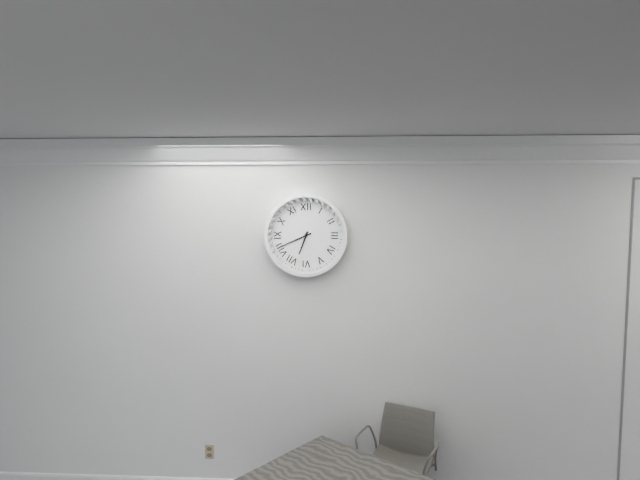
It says **6:41**
